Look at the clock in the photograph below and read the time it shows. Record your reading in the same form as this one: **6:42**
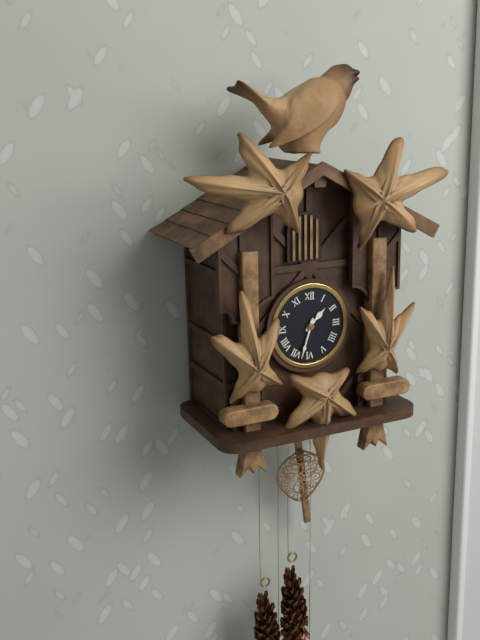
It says **1:33**
